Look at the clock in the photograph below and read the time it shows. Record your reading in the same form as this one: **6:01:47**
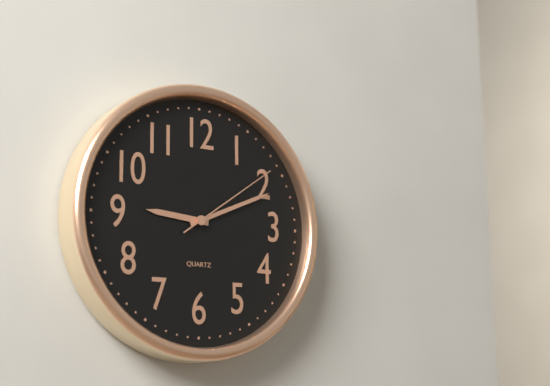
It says **9:11:09**
